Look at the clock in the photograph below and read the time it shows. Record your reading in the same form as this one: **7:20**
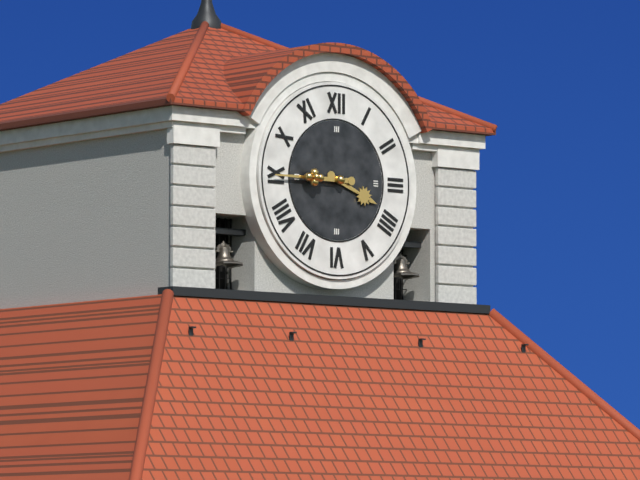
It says **3:45**
